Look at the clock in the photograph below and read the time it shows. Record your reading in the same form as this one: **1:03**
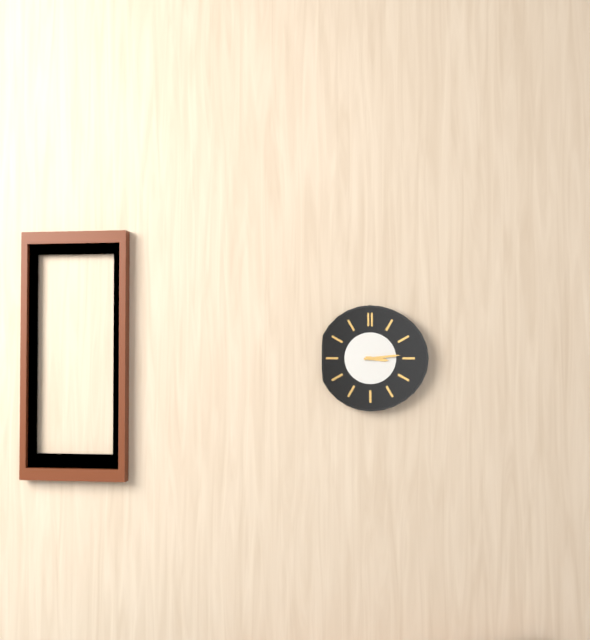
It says **3:14**
